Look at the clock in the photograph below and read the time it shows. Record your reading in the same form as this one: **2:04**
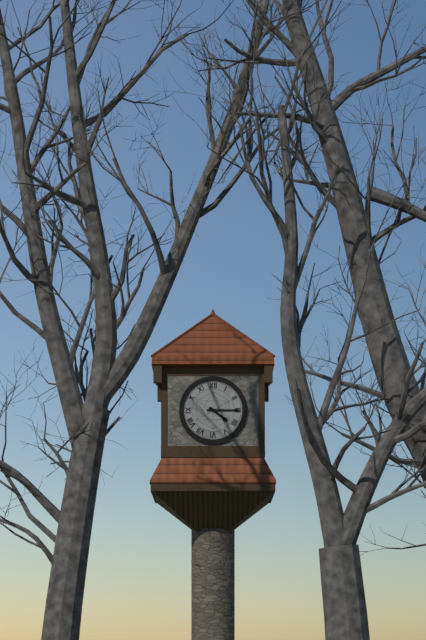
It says **4:15**
